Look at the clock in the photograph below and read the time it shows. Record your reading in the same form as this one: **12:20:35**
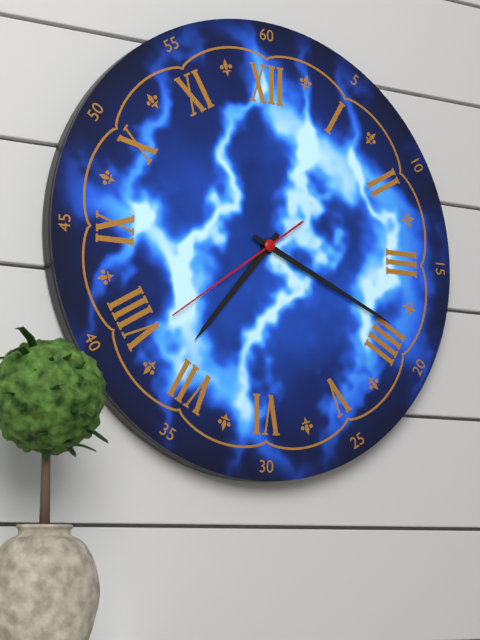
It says **7:19:39**
